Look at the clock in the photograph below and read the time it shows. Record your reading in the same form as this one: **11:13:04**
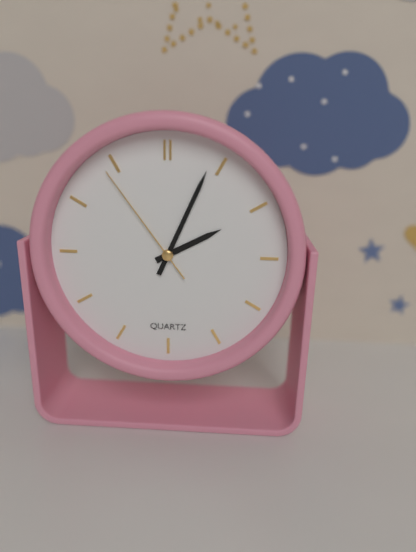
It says **2:04:54**
